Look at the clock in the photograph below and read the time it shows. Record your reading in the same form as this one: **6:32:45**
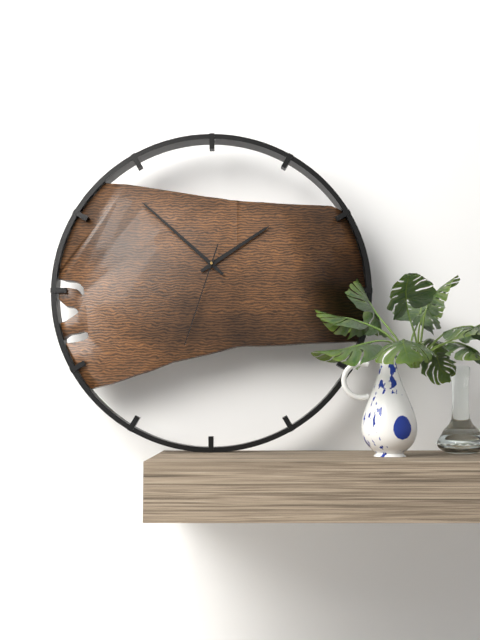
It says **1:52:33**
